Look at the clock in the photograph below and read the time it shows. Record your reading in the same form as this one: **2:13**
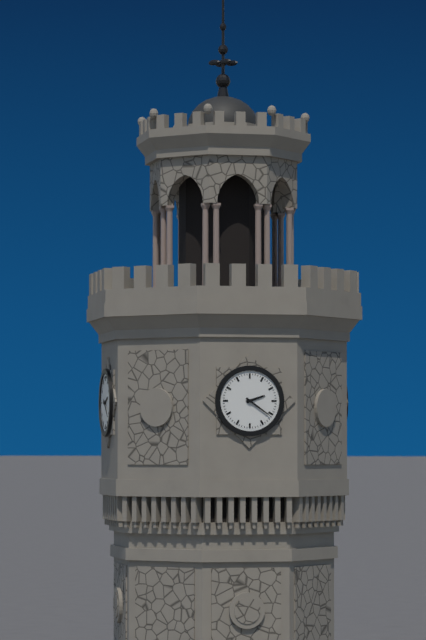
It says **2:21**
